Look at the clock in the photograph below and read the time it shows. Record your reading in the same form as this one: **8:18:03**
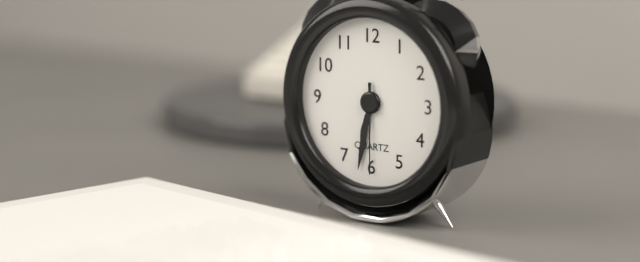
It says **6:32:30**
